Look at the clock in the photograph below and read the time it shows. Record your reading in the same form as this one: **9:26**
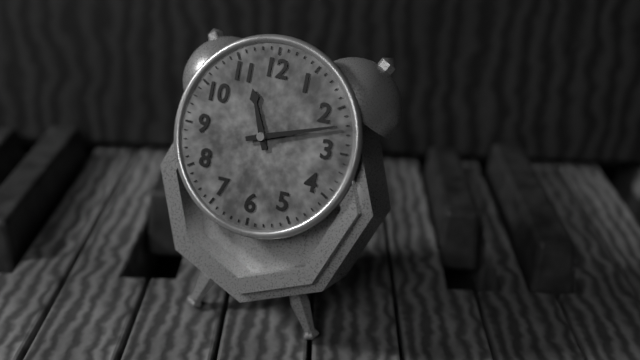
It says **11:12**
